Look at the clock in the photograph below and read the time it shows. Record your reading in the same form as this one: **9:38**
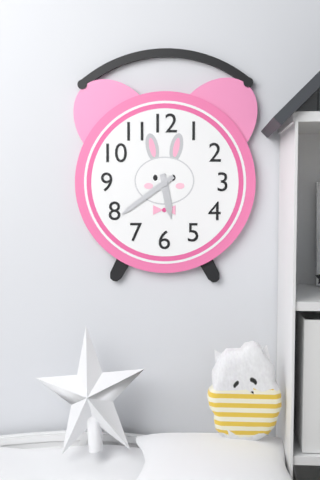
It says **5:39**
